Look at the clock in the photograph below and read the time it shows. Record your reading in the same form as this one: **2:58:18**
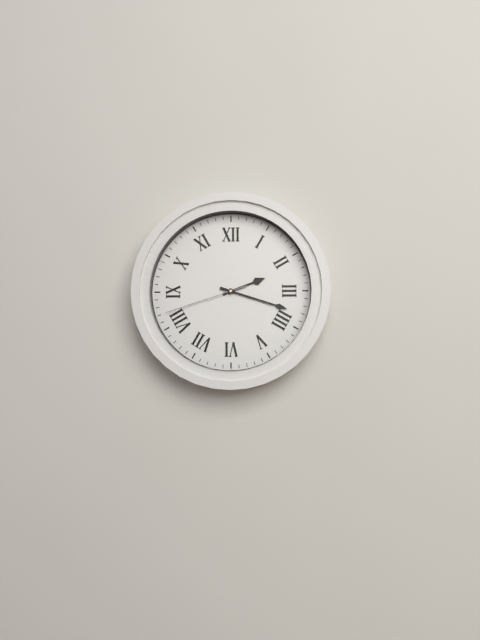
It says **2:18:42**
